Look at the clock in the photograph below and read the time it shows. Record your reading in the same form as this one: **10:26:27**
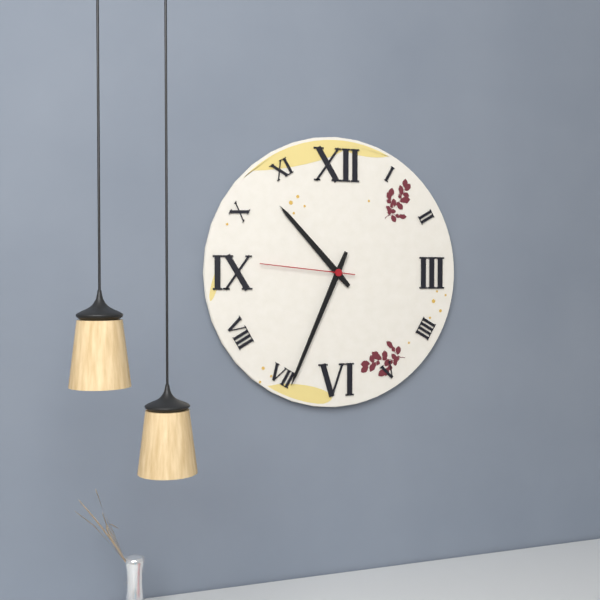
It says **10:34:46**
